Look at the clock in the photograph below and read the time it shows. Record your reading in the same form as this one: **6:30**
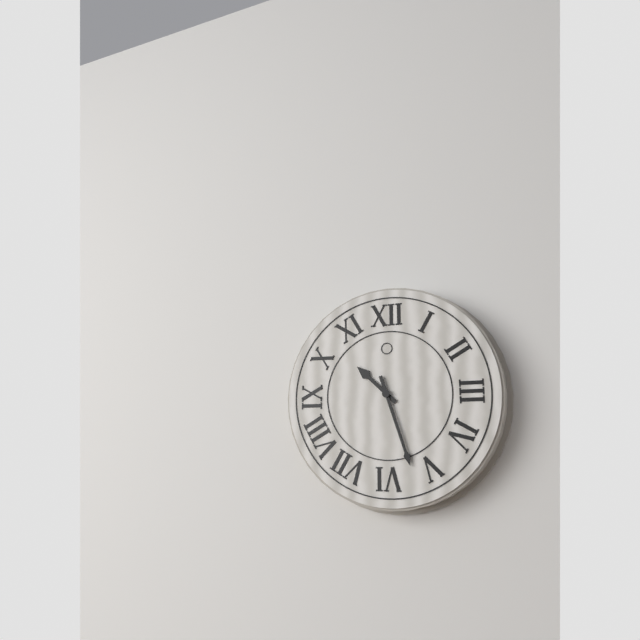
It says **10:27**
